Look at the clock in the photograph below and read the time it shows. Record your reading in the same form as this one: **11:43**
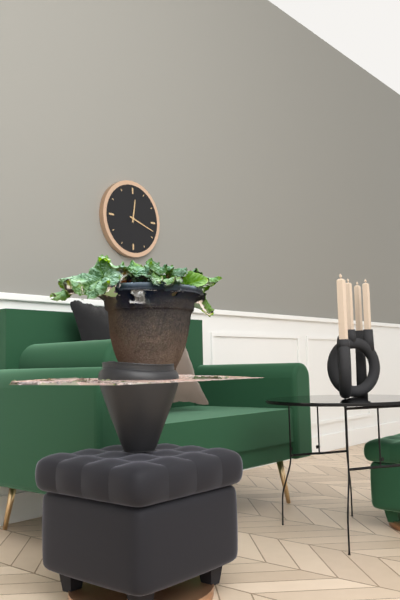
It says **12:18**
